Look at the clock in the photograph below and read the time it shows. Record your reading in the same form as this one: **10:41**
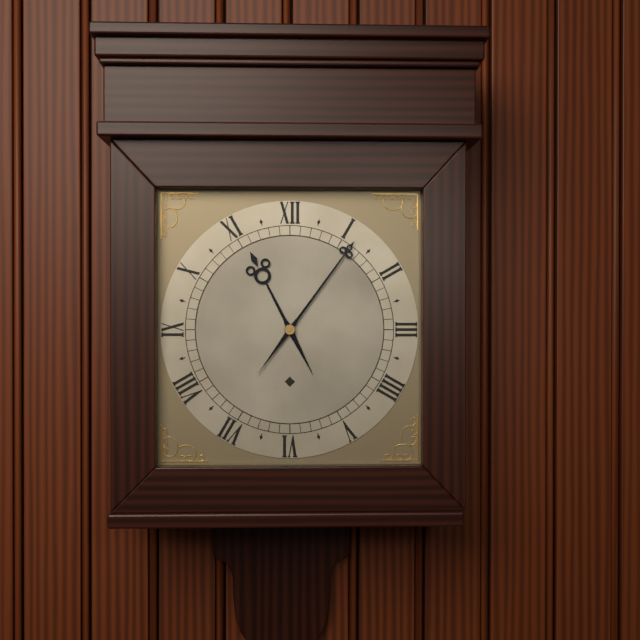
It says **11:06**
